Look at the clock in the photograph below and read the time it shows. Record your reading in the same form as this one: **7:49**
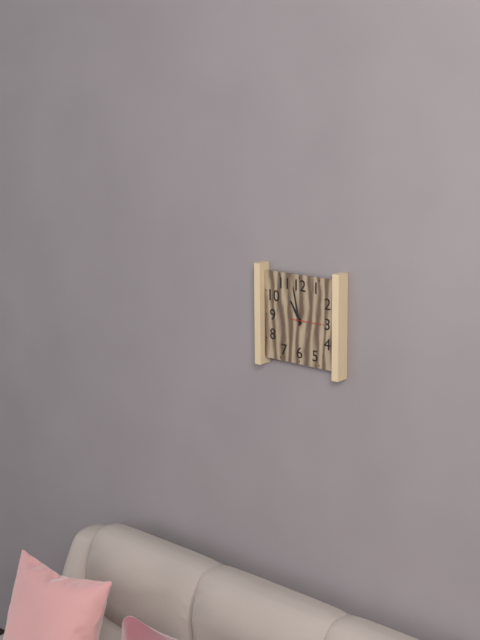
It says **10:58**
